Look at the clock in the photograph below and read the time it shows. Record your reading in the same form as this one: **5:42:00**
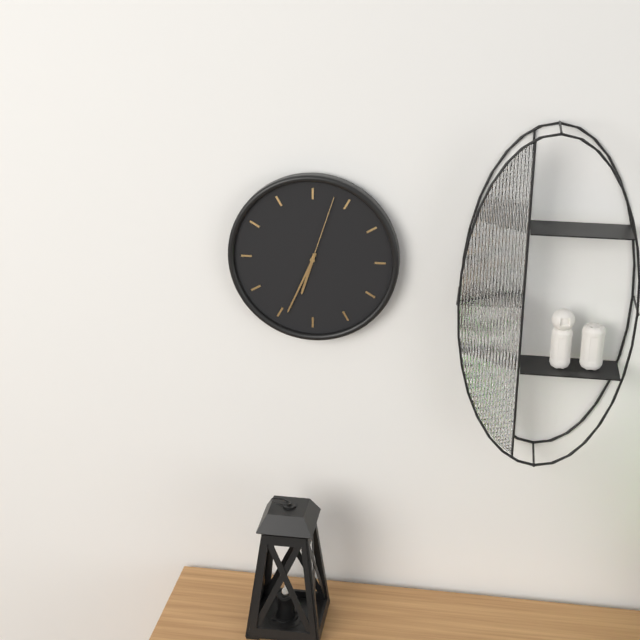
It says **6:34:03**
